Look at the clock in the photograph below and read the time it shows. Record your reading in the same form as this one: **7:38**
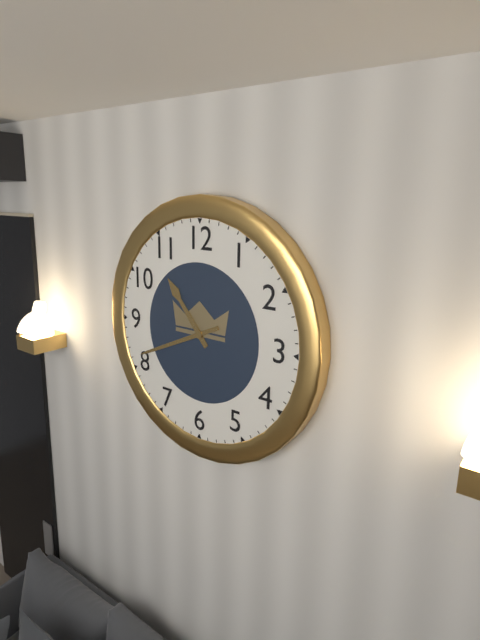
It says **10:41**
